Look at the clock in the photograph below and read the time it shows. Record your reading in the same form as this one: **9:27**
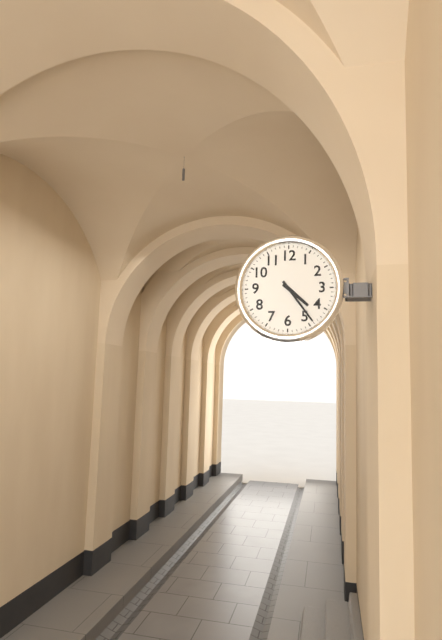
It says **4:24**
